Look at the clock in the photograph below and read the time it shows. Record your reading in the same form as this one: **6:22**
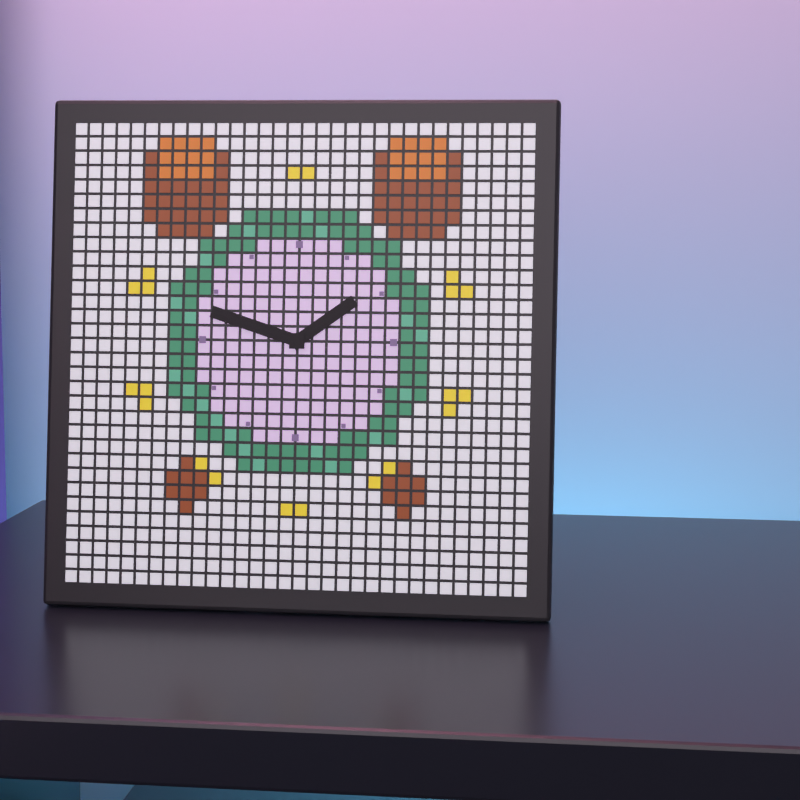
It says **1:48**
